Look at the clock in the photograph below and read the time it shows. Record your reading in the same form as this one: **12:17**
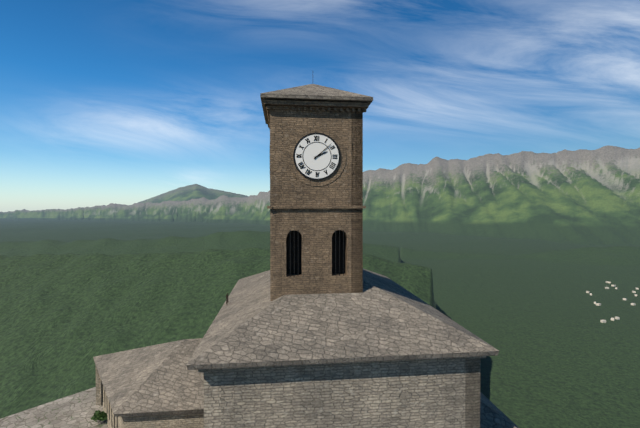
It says **2:08**
